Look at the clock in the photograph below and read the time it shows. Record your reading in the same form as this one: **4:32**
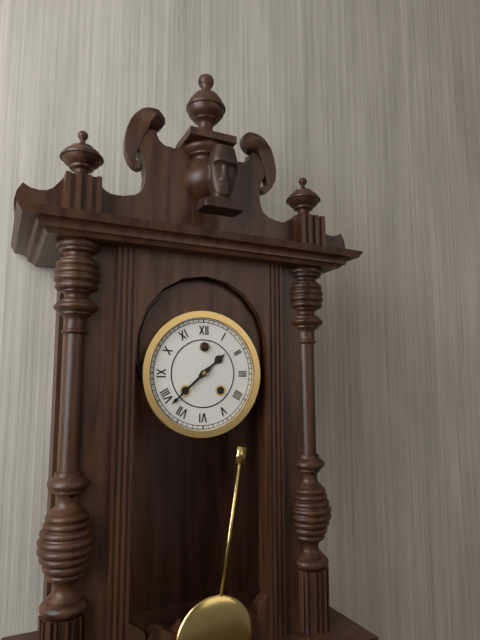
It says **1:38**
